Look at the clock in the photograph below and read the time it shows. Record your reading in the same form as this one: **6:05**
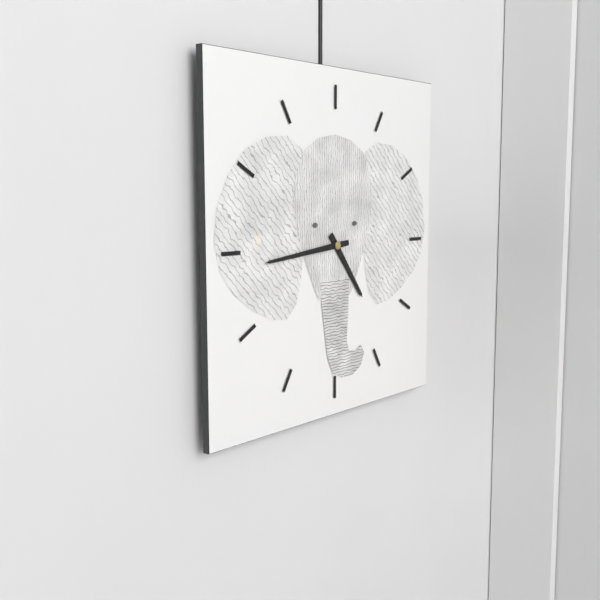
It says **4:44**
